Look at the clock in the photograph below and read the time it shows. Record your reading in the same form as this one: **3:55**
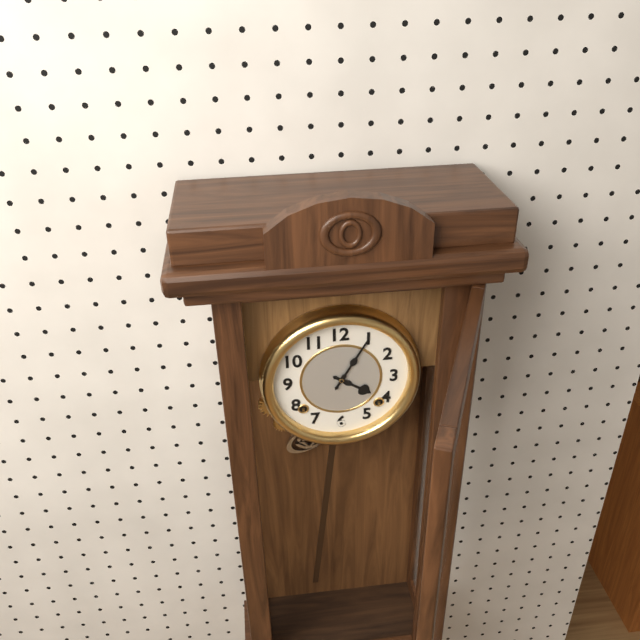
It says **4:05**
